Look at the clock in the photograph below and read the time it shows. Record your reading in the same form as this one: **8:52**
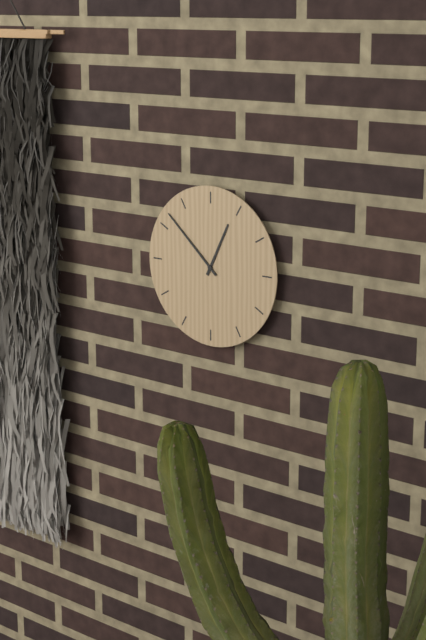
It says **12:52**
